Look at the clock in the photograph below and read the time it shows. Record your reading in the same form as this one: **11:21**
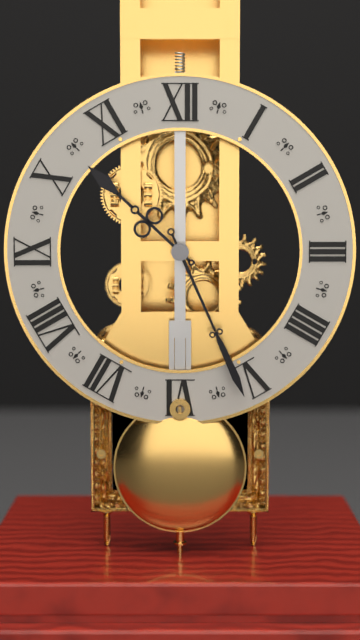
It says **10:26**
